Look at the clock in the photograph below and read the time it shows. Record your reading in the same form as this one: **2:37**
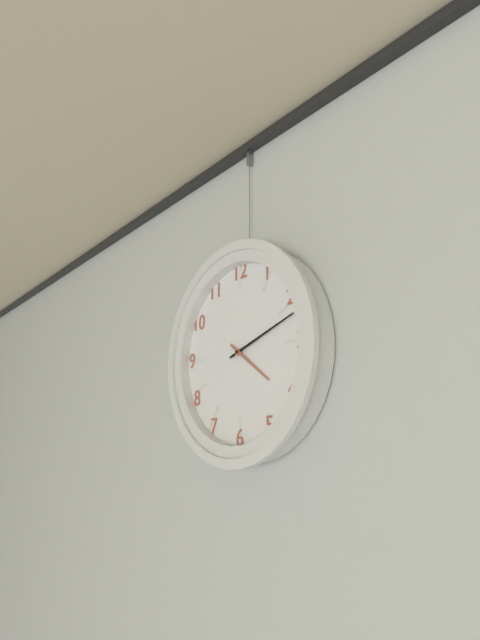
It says **4:12**
